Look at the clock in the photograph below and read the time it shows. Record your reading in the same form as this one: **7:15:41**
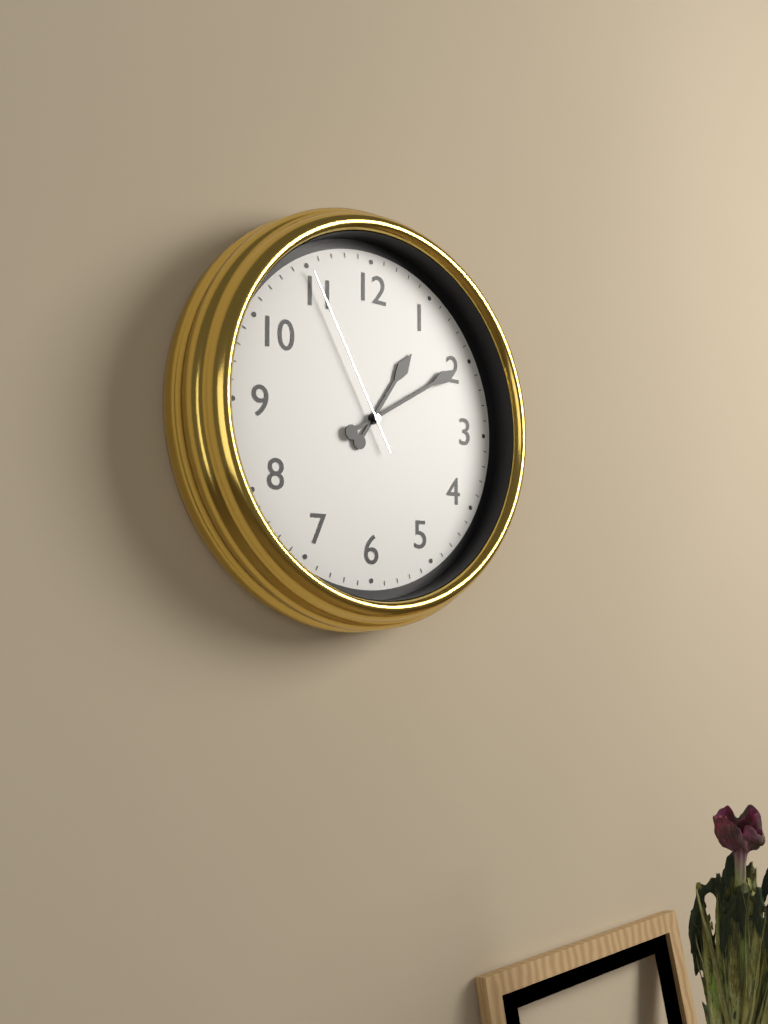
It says **1:10:55**
